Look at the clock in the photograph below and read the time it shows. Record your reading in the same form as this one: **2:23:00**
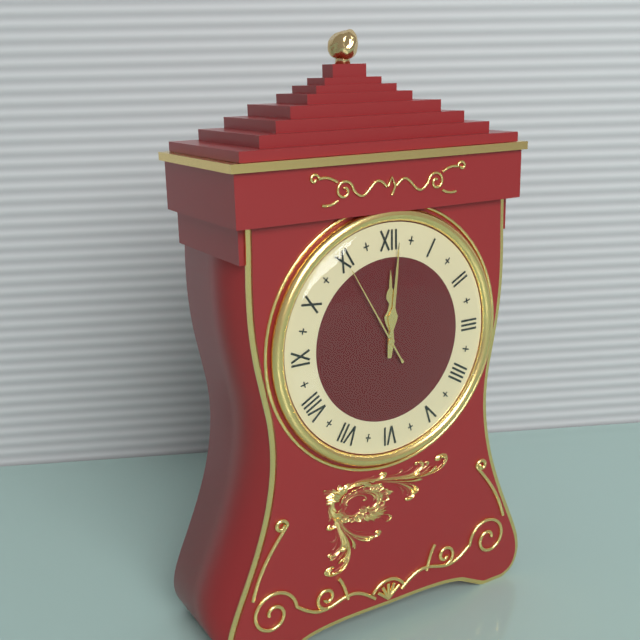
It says **12:01:55**
